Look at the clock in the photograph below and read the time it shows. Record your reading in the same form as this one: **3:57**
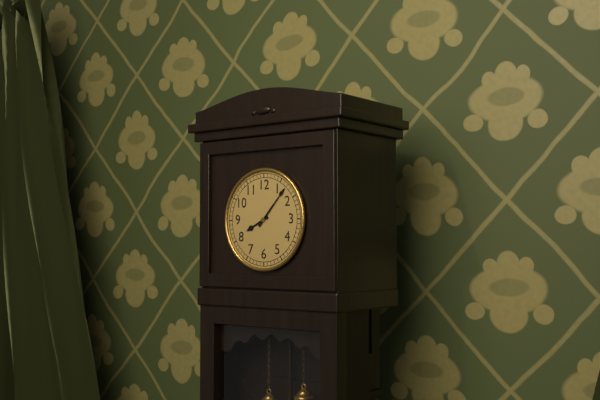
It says **8:07**
